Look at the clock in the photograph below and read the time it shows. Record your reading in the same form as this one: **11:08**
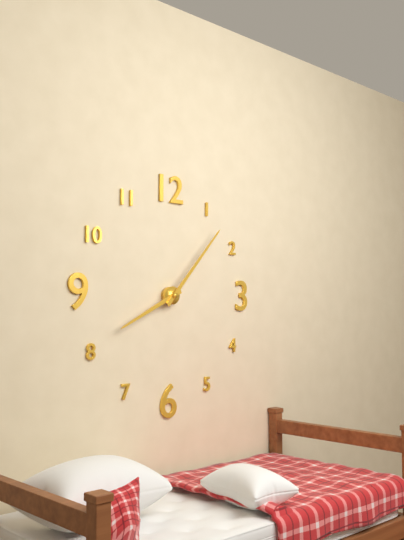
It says **8:07**
